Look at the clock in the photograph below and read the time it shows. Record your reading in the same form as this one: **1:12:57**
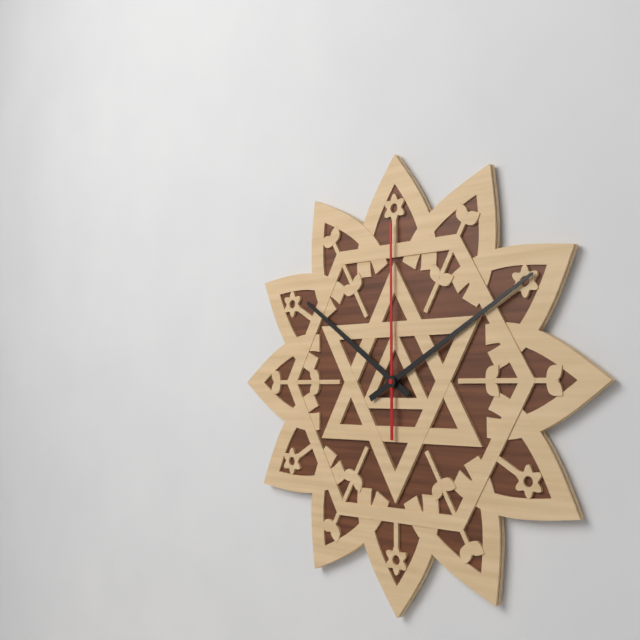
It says **10:10:00**
